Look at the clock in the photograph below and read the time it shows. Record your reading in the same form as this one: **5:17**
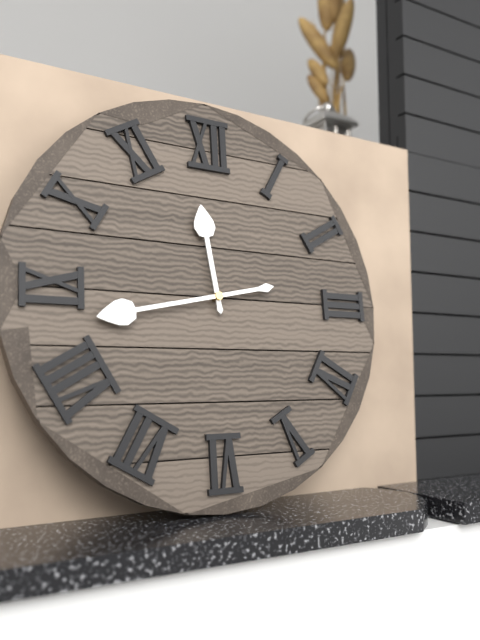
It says **11:43**
